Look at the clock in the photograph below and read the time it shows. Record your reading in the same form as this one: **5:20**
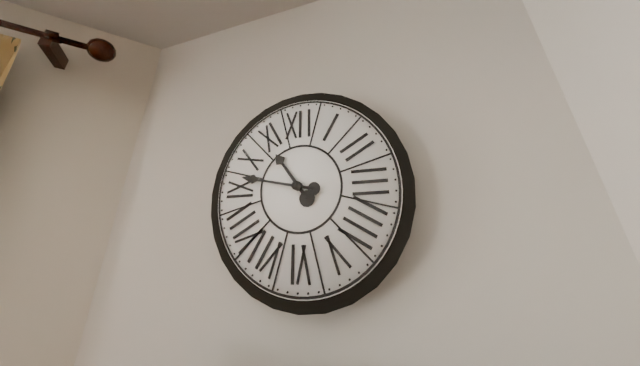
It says **10:47**
